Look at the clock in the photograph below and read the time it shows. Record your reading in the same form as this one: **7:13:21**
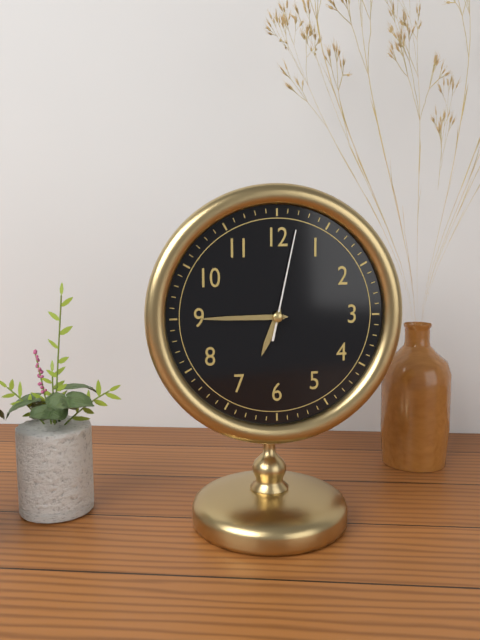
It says **6:45:02**
